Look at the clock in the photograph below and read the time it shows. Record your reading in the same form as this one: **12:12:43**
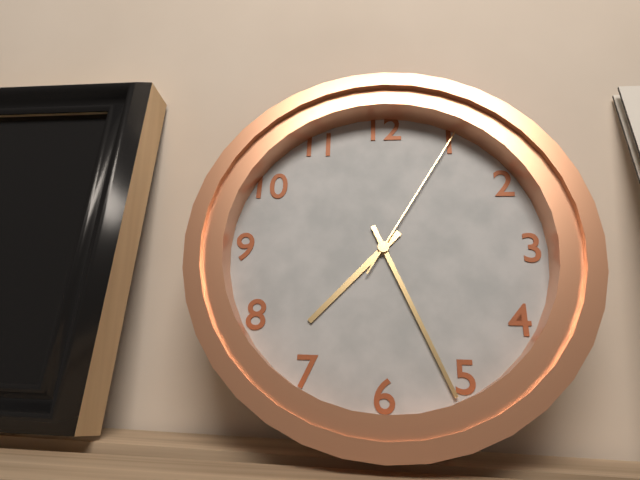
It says **7:26:05**
